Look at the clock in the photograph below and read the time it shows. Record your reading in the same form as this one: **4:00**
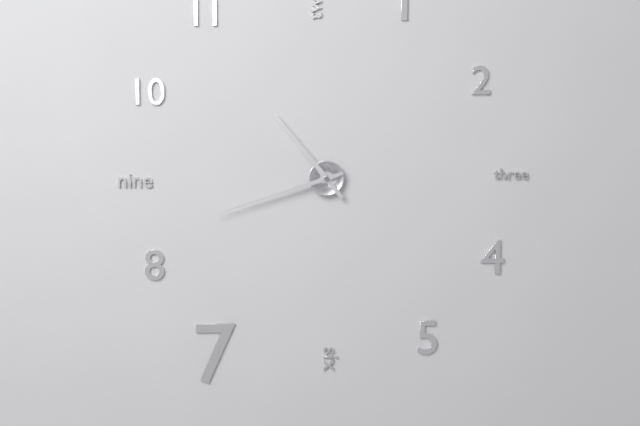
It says **10:42**
